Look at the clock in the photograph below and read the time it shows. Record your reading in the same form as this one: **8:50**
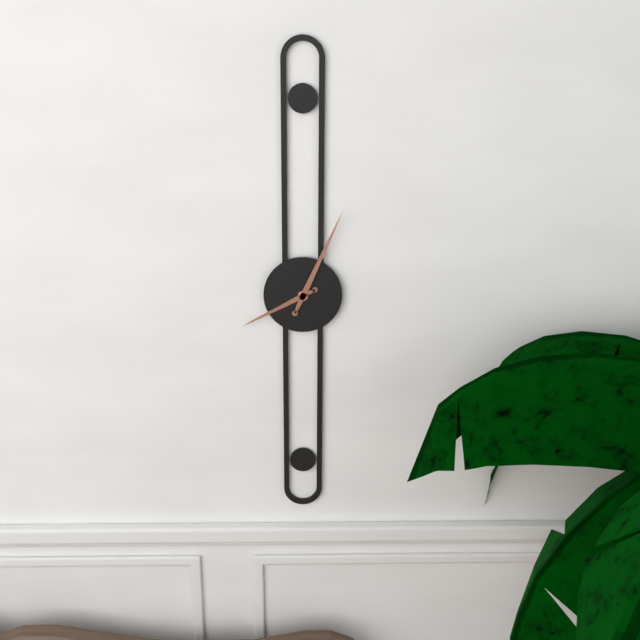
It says **8:04**
